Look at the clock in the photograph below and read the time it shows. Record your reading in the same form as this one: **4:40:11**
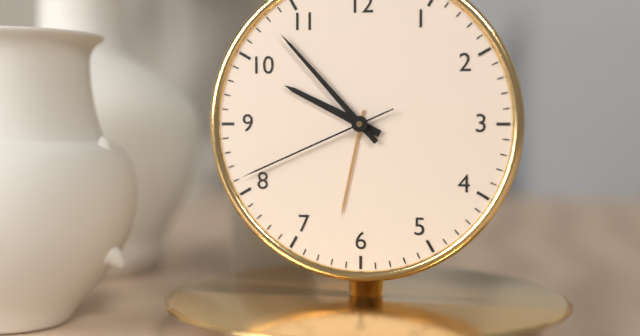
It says **9:53:41**
